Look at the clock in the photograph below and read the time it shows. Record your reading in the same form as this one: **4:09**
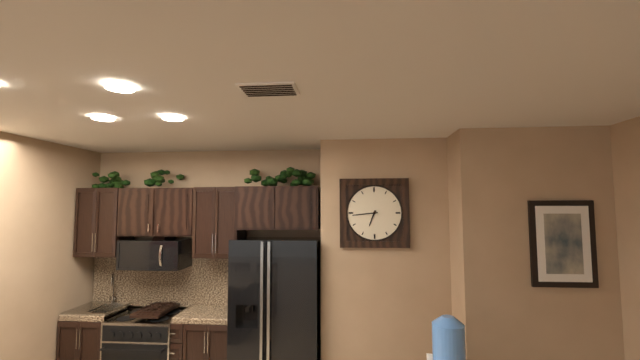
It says **6:44**
